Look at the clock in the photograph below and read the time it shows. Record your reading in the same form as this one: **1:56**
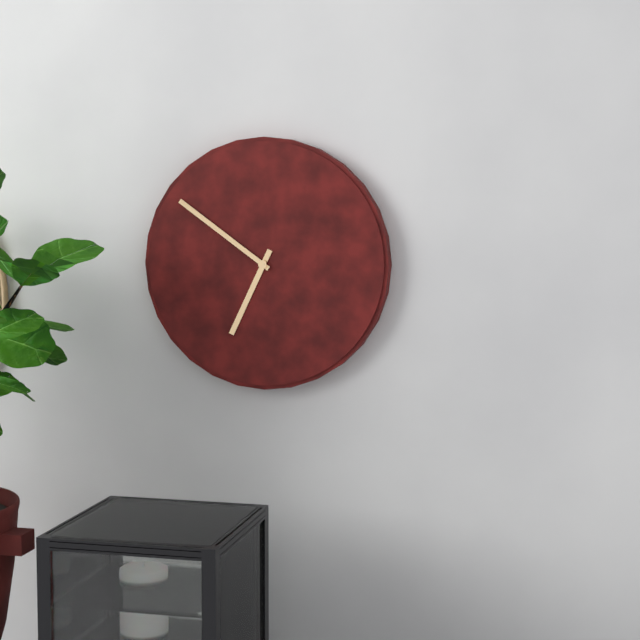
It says **6:51**
